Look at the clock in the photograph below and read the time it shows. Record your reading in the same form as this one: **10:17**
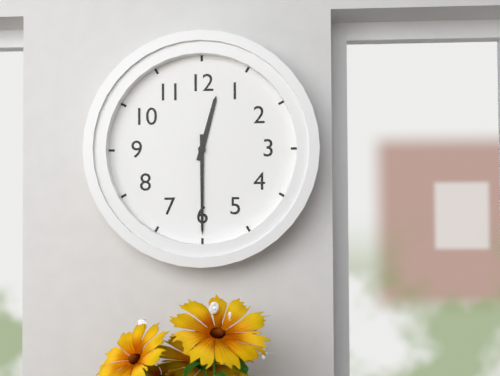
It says **12:30**
